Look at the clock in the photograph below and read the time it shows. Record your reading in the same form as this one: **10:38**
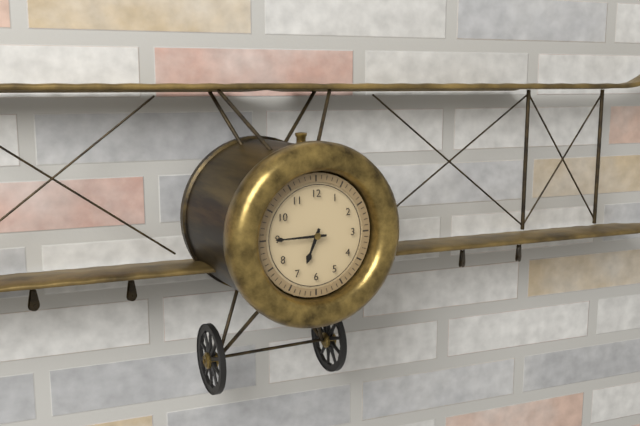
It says **6:45**
